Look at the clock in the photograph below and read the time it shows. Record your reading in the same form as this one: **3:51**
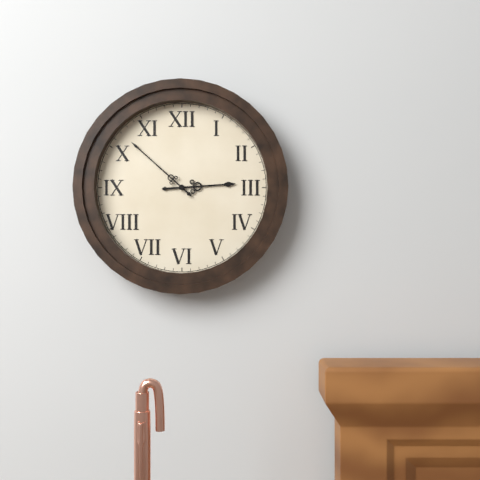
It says **2:52**
